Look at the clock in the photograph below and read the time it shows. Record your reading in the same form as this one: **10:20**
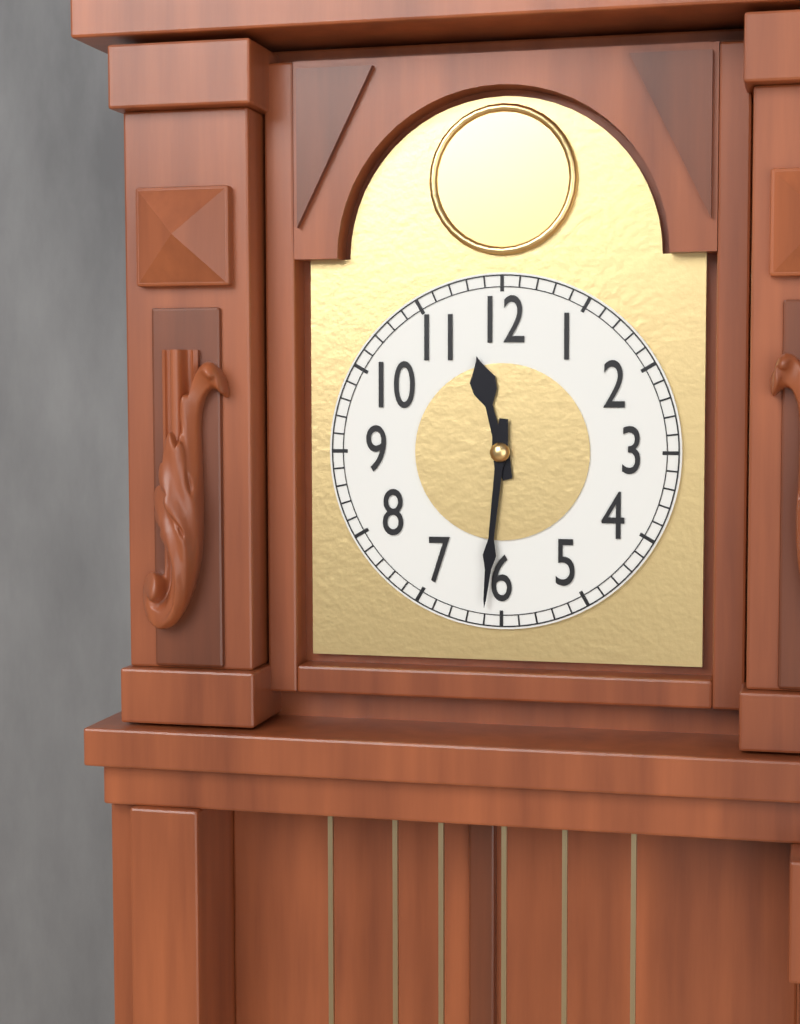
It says **11:31**
